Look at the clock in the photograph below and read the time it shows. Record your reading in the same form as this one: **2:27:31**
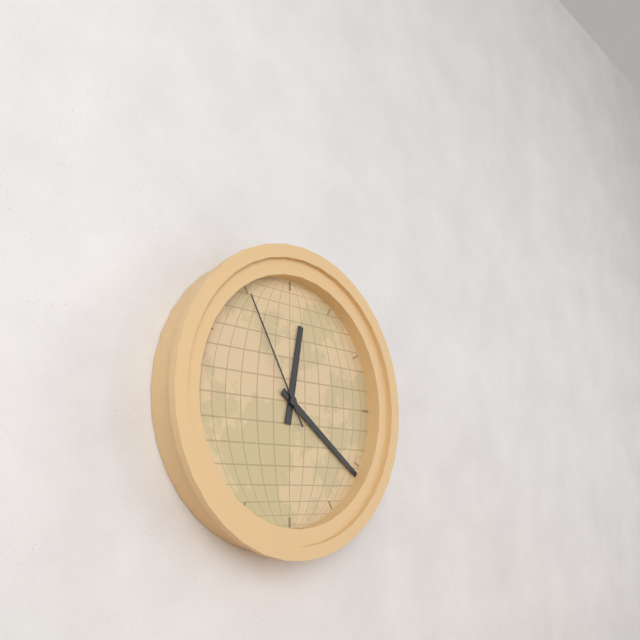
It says **12:21:55**
